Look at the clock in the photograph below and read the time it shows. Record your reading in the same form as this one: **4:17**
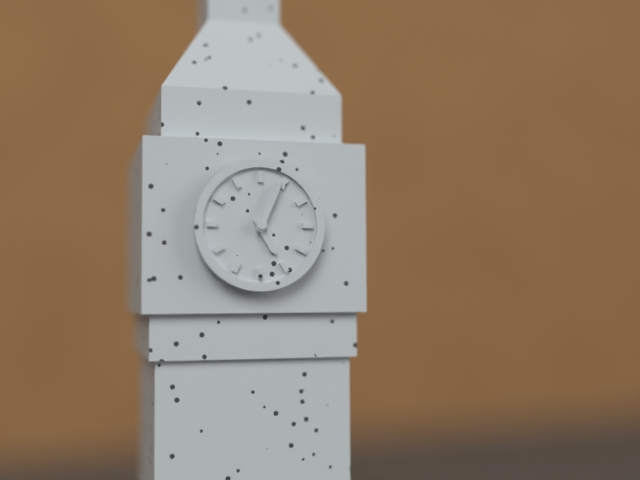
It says **5:04**
